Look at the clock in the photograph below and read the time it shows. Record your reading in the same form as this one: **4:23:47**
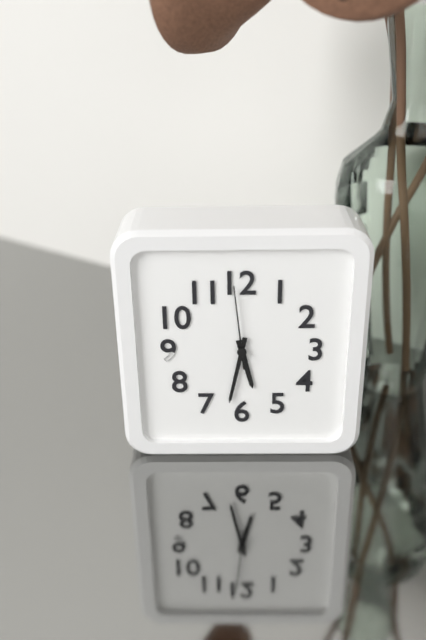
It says **5:32:59**
